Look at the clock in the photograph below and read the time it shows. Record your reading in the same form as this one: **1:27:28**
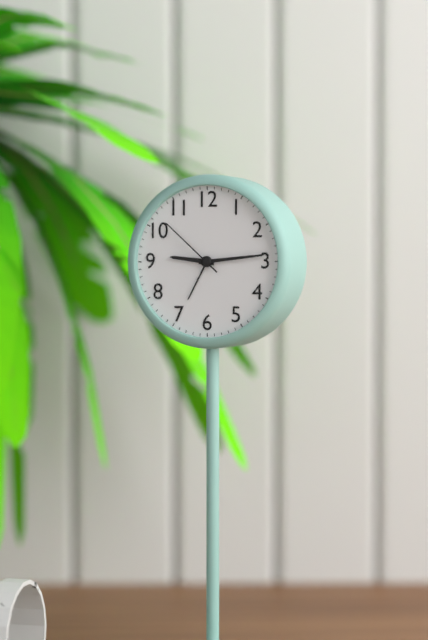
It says **9:14:52**
